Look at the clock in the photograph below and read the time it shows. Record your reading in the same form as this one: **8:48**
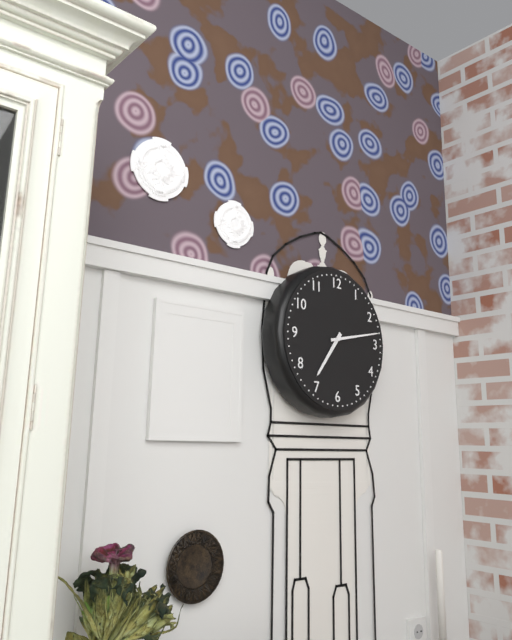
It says **7:13**
